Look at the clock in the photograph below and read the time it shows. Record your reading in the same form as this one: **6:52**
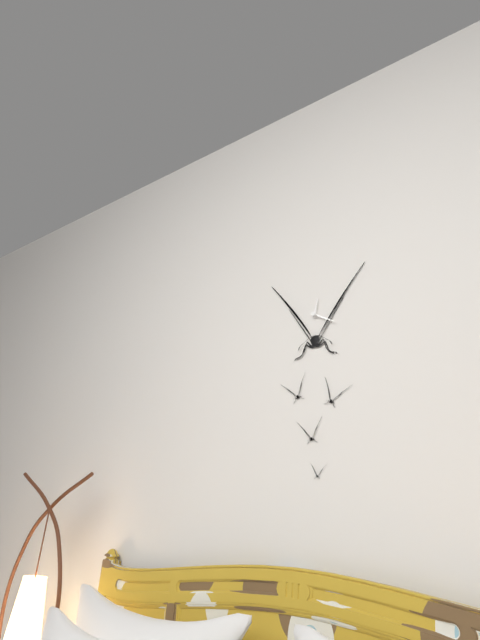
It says **12:20**
